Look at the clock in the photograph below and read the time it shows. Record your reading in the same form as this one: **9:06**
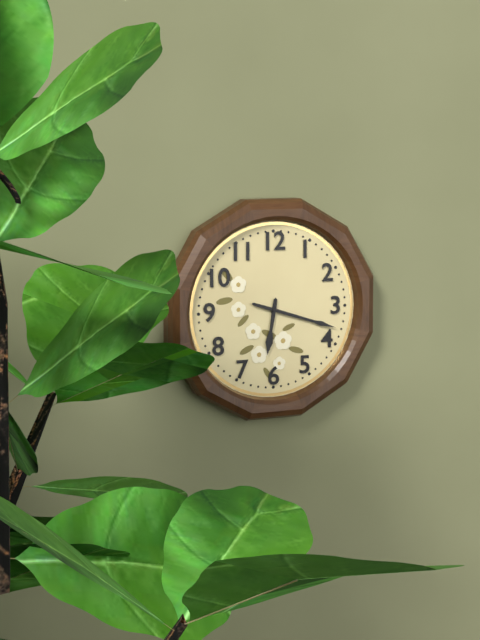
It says **6:18**
